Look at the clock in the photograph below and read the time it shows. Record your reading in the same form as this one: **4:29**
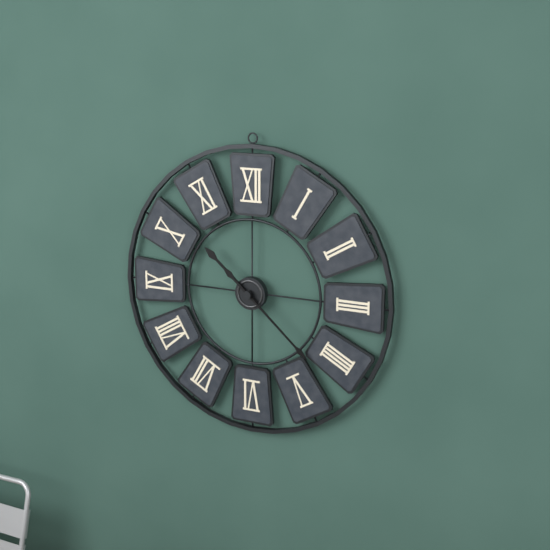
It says **10:22**
